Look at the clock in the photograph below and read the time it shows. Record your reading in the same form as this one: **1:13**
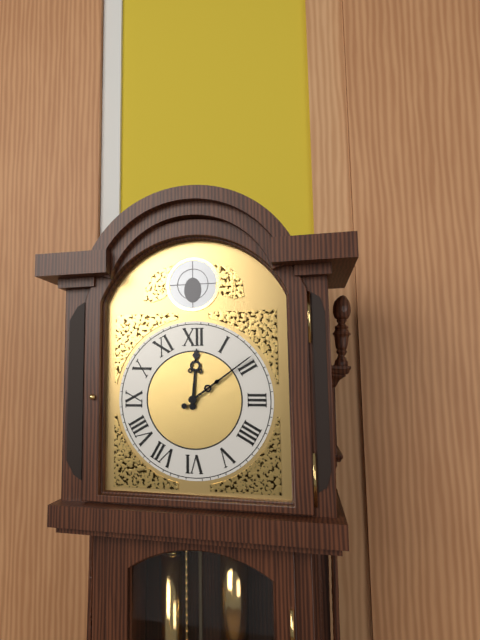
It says **12:09**
